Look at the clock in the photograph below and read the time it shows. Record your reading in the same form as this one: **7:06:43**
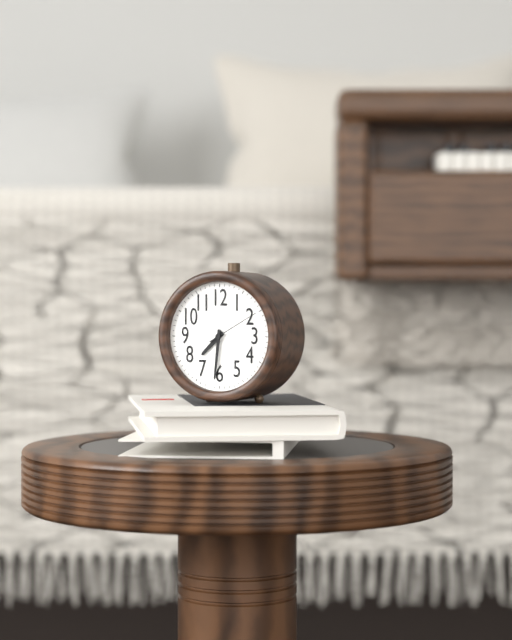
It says **7:31:10**
